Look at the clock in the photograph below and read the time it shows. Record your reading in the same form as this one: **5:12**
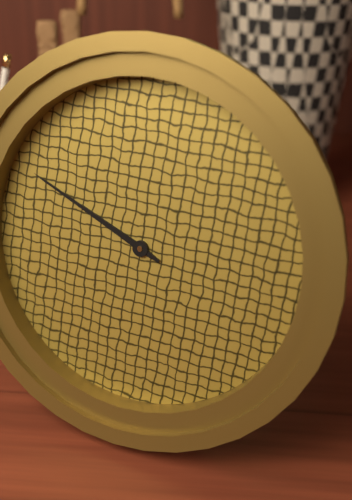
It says **9:49**
